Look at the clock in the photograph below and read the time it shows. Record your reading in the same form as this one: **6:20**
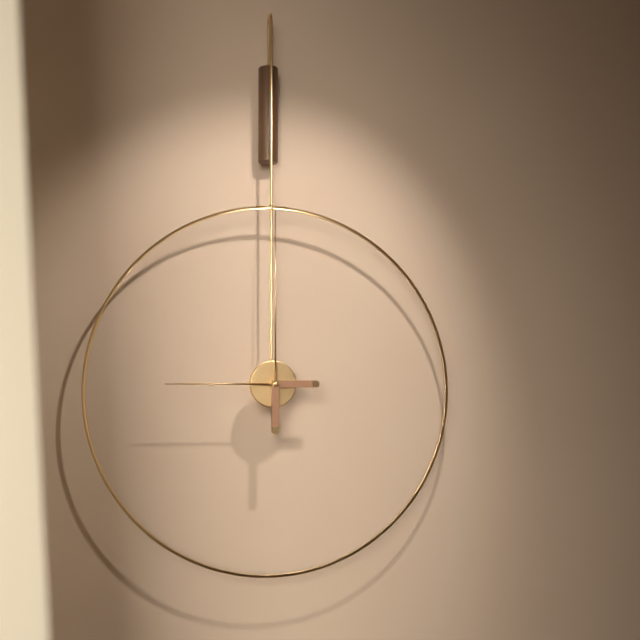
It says **9:00**
